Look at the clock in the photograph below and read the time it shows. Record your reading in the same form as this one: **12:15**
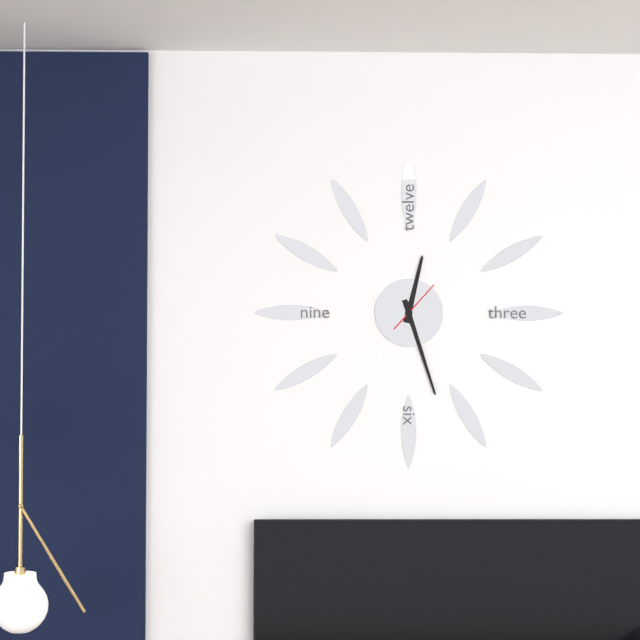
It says **12:27**
